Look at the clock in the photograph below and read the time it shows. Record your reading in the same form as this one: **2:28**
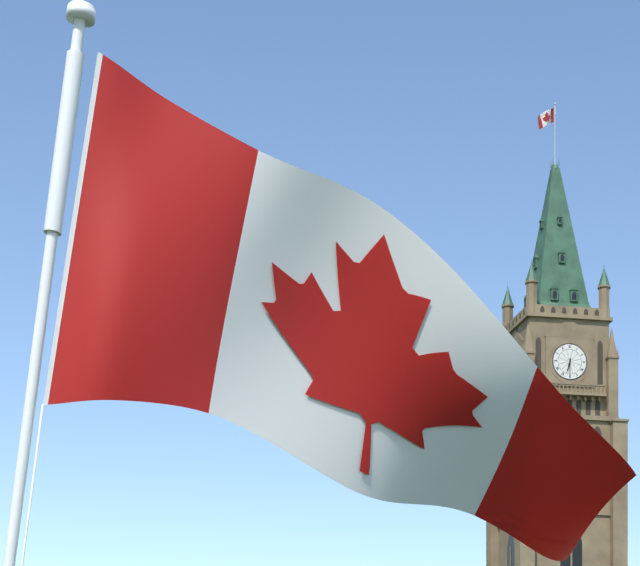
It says **6:30**
